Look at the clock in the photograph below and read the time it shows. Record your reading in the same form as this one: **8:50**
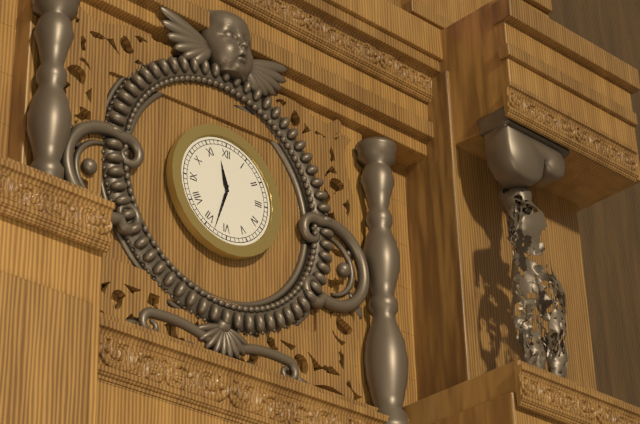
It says **11:33**
